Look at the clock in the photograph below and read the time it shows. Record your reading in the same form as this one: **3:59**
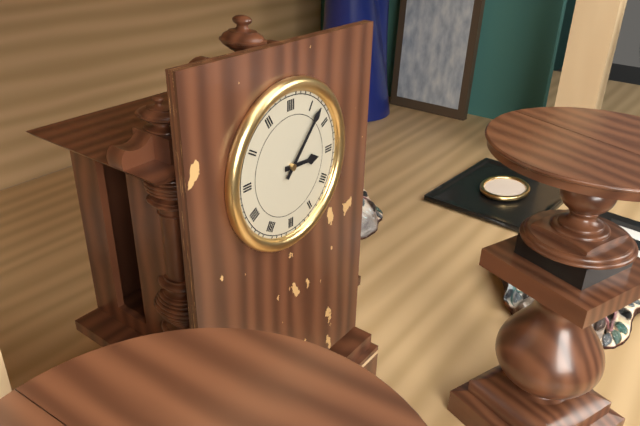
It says **3:07**
